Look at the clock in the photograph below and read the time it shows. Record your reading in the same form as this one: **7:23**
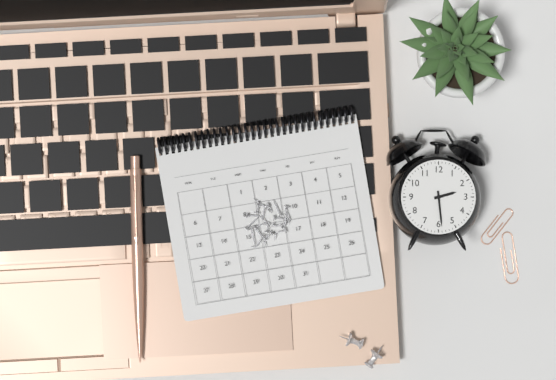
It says **2:29**
